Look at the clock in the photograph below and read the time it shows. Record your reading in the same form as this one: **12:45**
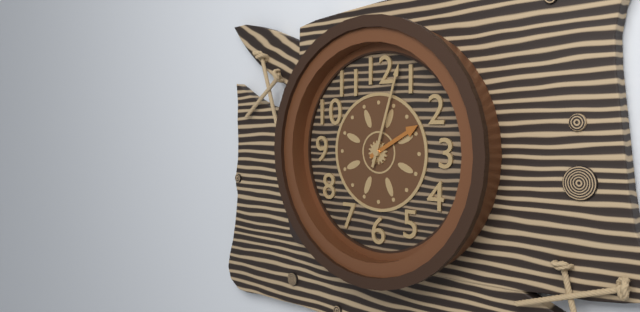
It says **2:03**
